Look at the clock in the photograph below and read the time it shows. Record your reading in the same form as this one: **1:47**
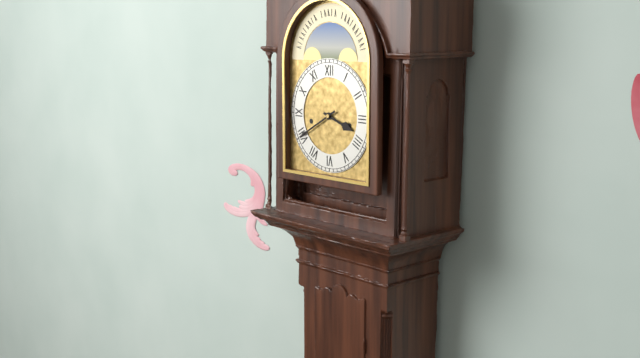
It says **3:40**
